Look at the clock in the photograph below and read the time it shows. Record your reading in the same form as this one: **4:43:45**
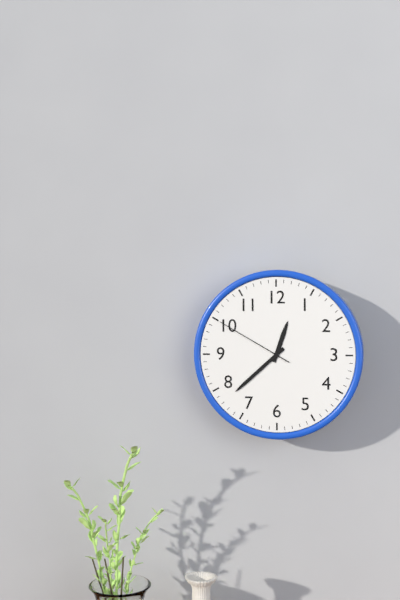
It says **12:38:50**
